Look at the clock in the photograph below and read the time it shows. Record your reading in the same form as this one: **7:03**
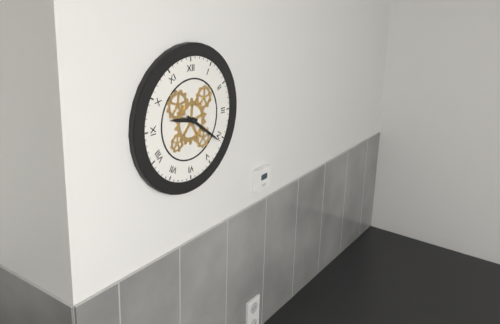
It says **9:21**
